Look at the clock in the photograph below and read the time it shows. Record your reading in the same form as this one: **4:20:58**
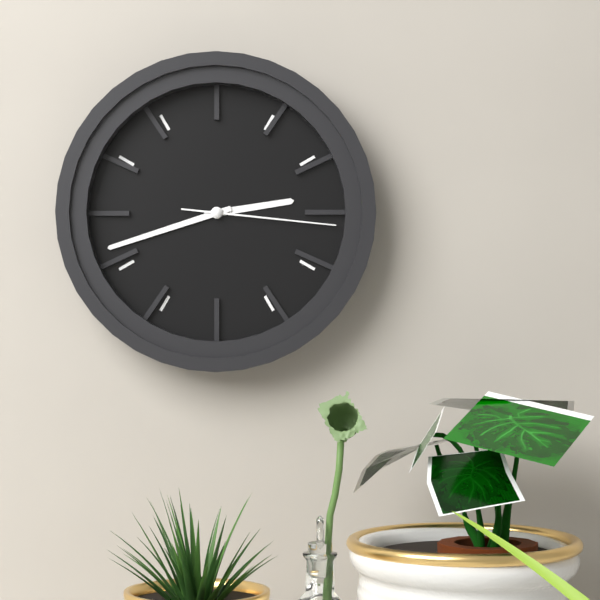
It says **2:42:16**
